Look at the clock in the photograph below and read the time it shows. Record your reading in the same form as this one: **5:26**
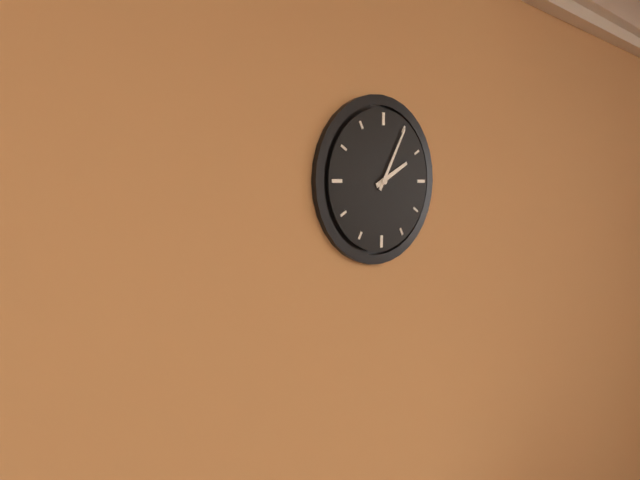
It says **2:05**
